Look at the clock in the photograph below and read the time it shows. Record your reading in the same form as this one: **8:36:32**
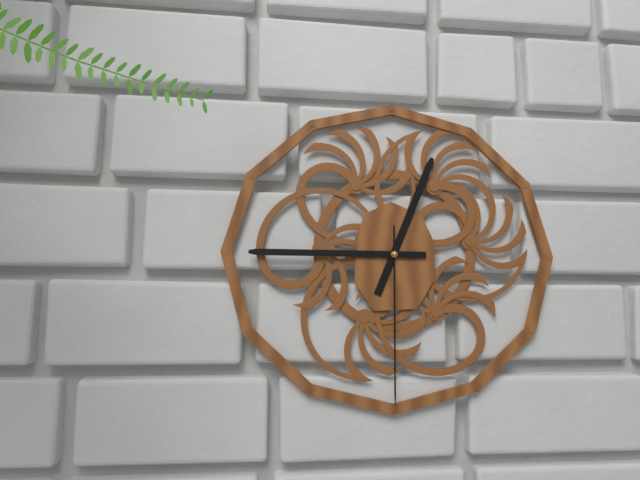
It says **12:45:30**
